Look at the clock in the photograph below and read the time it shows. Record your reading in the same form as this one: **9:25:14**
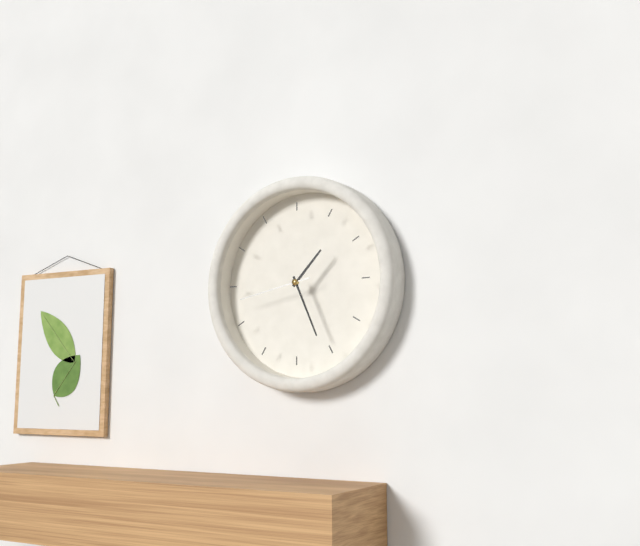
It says **1:26:43**
